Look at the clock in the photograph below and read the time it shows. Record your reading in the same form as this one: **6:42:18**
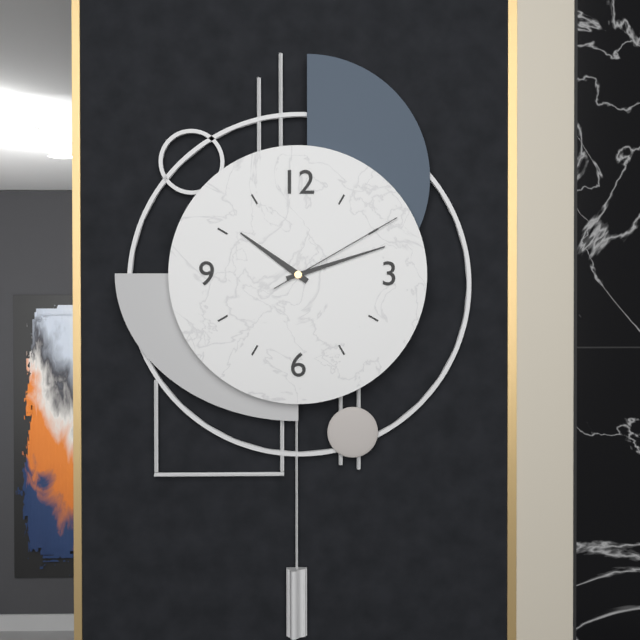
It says **10:12:10**
